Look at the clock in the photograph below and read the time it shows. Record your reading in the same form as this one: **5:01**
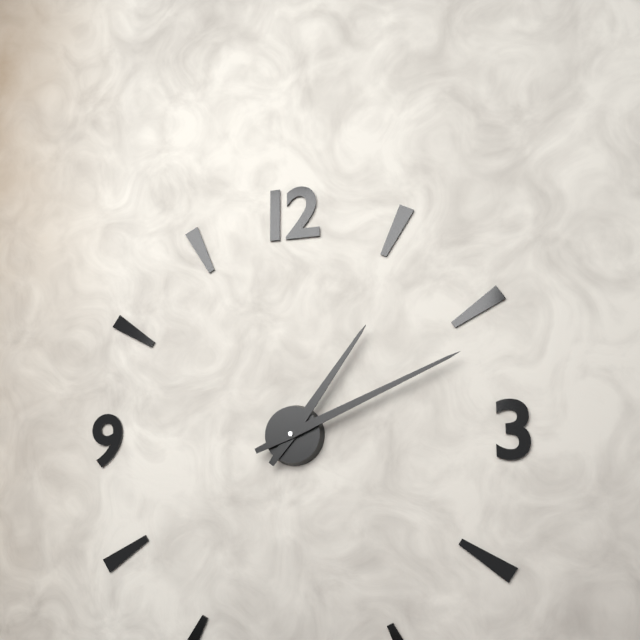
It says **1:11**
